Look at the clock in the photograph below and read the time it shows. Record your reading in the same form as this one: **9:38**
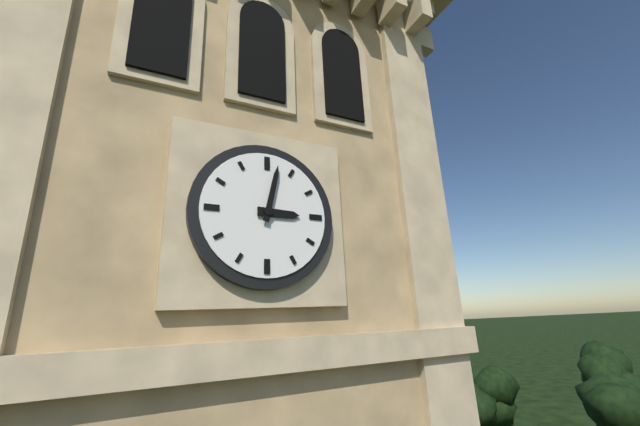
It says **3:02**
